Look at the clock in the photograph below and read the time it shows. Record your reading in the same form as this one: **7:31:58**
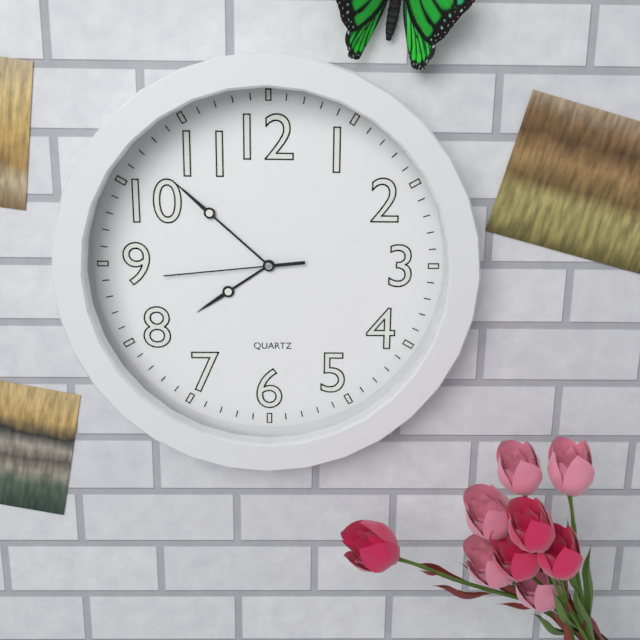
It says **7:52:44**
